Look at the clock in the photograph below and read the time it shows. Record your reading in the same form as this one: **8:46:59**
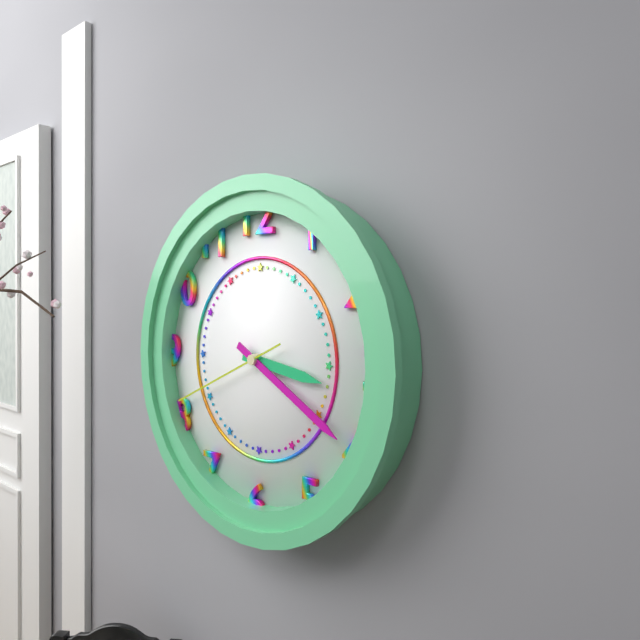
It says **3:20:41**
